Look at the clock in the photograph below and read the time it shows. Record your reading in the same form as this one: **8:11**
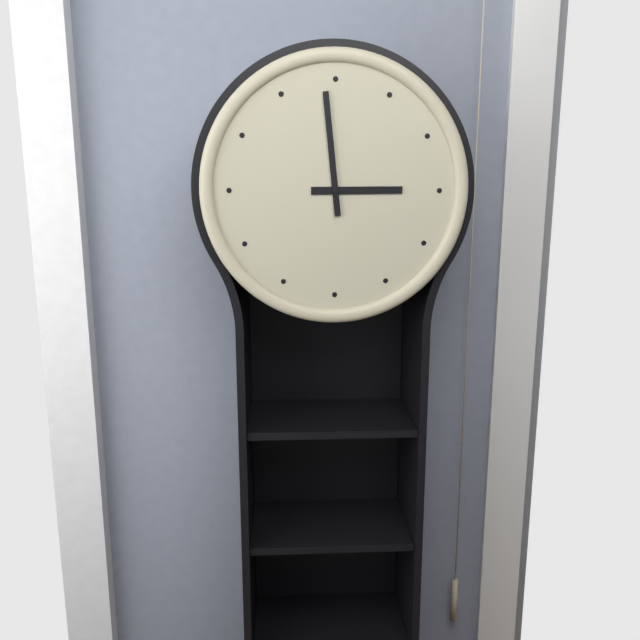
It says **2:59**
